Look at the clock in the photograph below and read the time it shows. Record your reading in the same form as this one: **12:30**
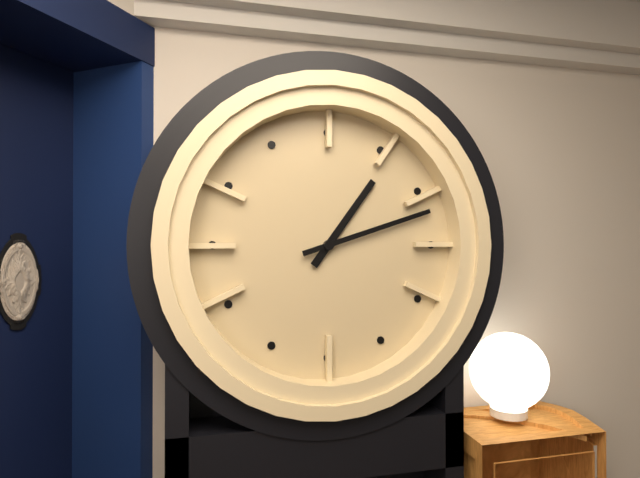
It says **1:12**
